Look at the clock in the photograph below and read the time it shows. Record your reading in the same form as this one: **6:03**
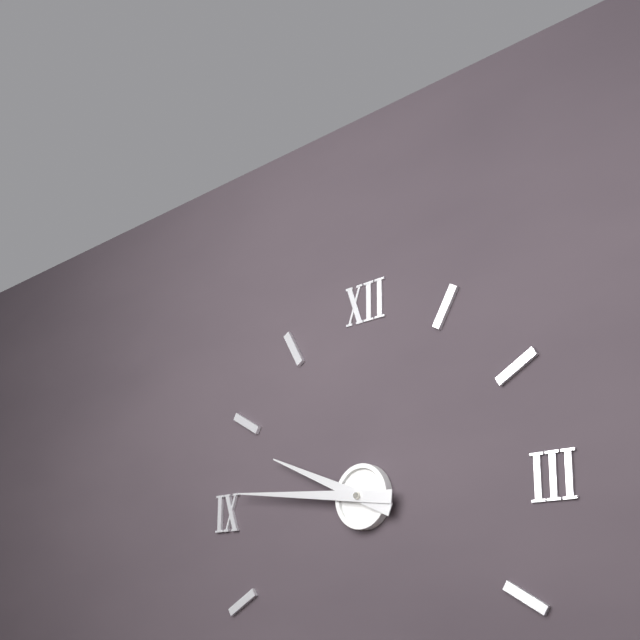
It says **9:46**
